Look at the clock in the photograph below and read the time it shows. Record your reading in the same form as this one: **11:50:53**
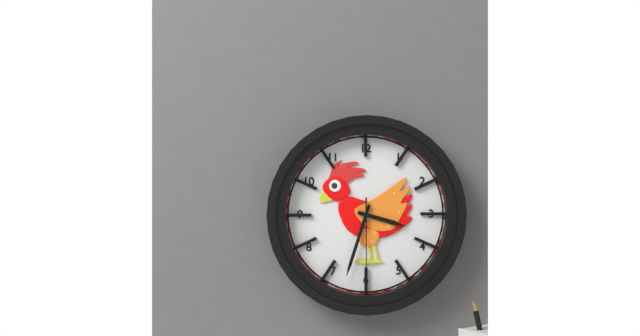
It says **3:33:30**
